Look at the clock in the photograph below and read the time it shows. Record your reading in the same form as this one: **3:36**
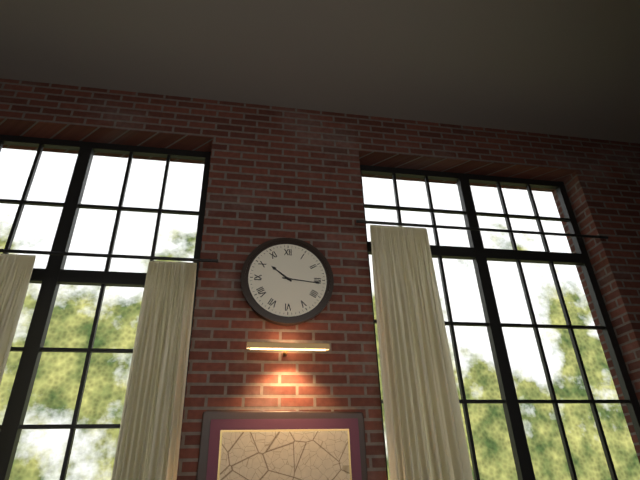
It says **10:16**
